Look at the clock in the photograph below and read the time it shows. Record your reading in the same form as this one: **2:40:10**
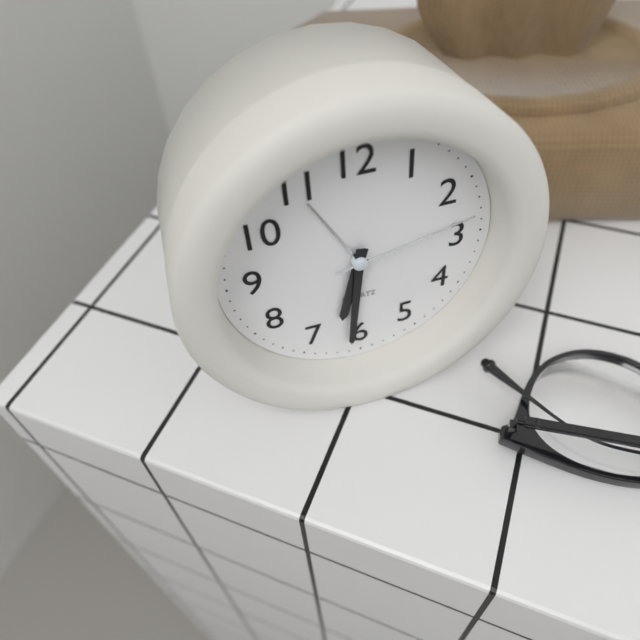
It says **6:31:13**
